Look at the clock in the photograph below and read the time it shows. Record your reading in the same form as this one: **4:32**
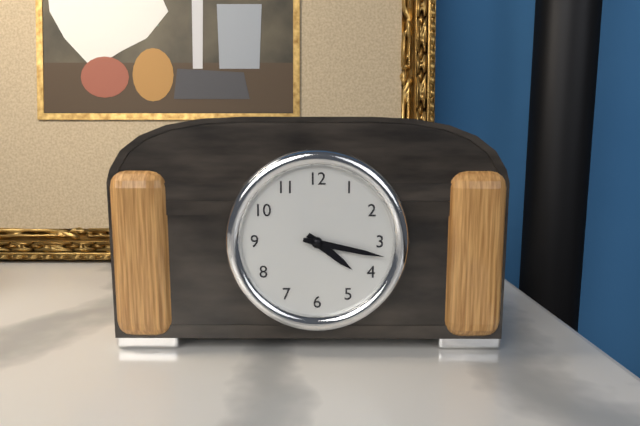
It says **4:17**
